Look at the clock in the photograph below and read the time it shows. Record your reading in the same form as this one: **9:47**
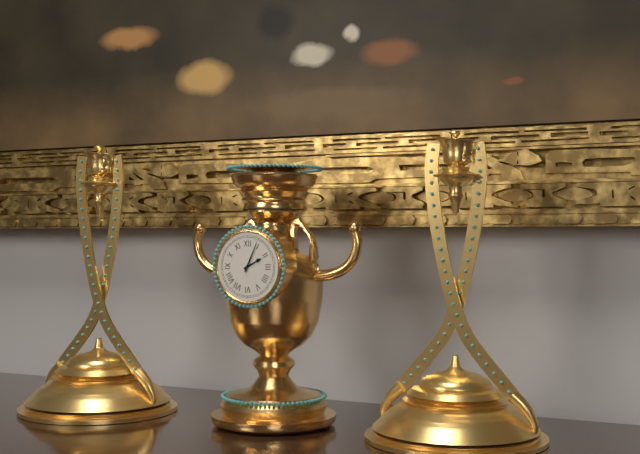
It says **2:04**
